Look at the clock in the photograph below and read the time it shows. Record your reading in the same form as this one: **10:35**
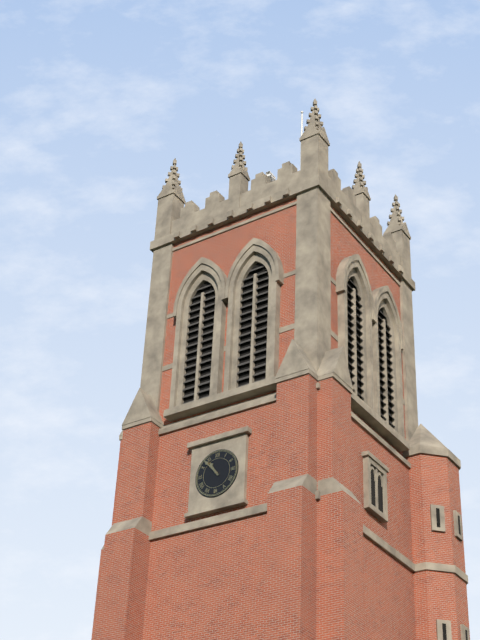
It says **10:53**
